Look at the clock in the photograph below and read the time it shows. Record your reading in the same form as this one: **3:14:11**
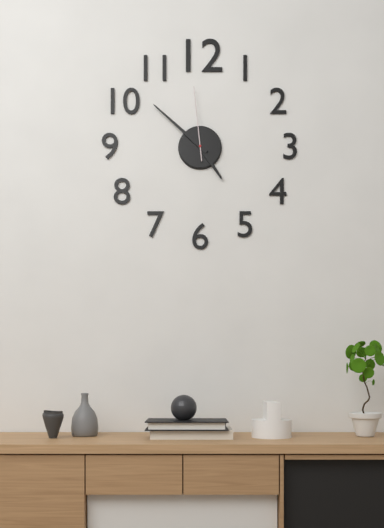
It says **4:52:59**
